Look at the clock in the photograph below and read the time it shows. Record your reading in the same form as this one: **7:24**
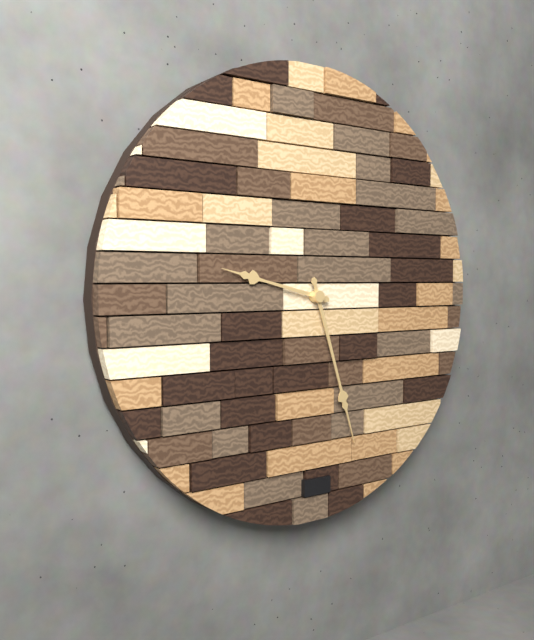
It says **9:27**
